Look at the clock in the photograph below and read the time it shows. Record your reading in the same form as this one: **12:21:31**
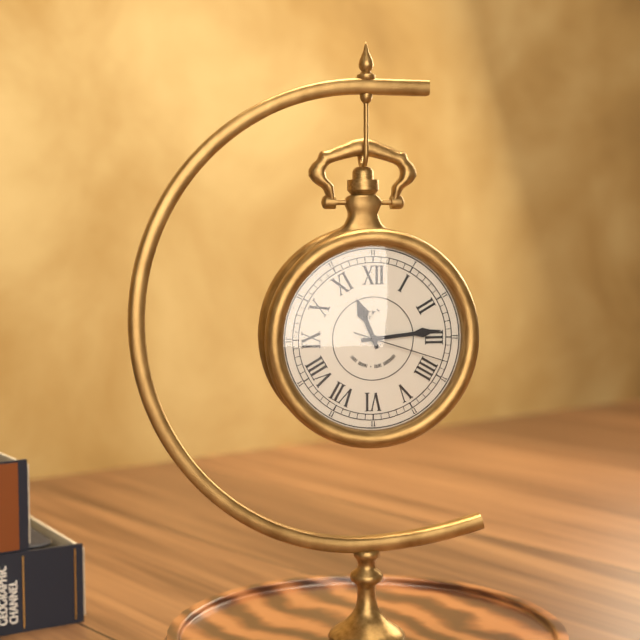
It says **11:14:18**
